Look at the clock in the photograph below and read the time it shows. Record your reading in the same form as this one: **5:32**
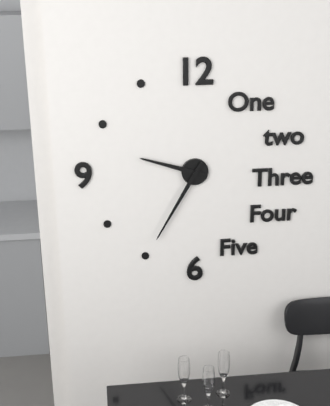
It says **9:35**
